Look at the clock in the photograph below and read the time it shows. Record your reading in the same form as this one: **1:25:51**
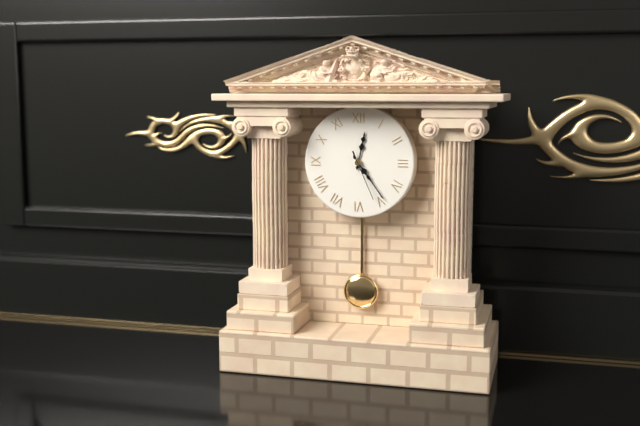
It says **12:24:26**
